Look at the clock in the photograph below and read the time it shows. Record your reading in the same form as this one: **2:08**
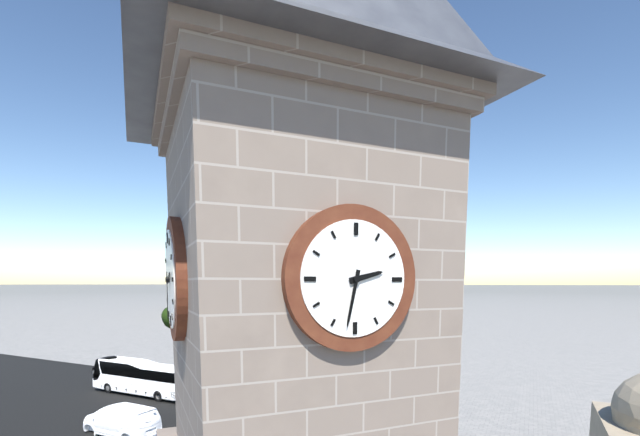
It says **2:32**
